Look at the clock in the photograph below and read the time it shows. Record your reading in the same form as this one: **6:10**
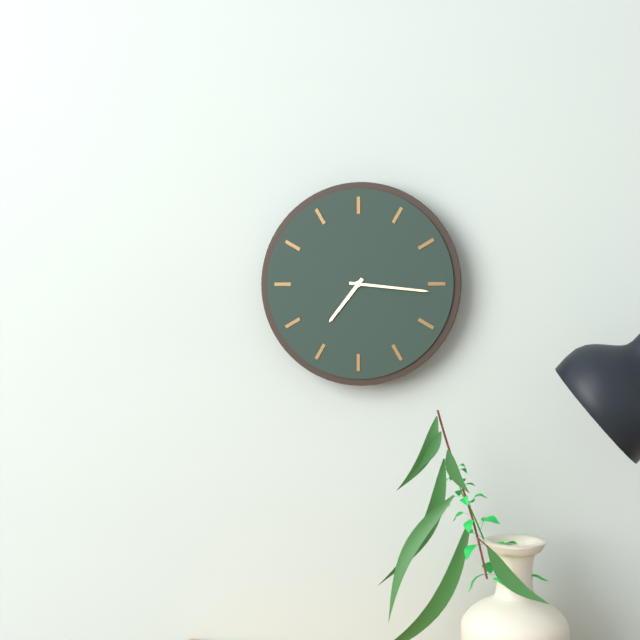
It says **7:16**
